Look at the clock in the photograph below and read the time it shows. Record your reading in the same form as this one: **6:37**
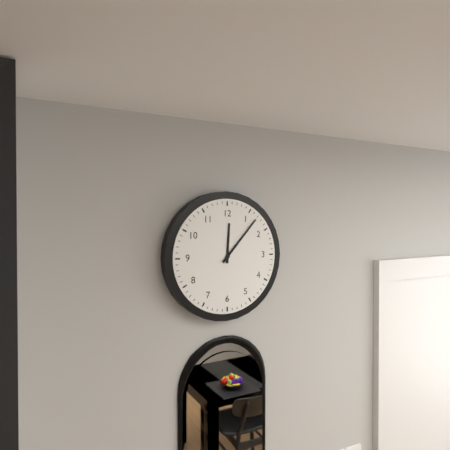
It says **12:07**
